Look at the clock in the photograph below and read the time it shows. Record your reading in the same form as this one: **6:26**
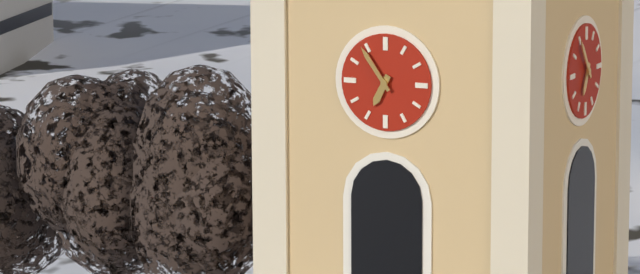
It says **6:54**
